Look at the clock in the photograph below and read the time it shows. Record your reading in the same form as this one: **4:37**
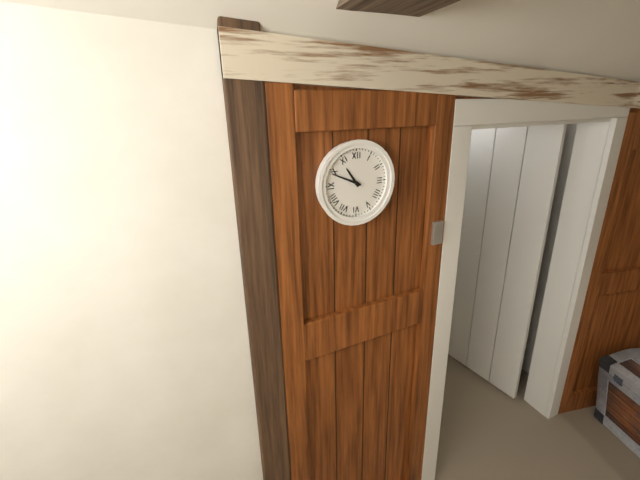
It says **10:49**
